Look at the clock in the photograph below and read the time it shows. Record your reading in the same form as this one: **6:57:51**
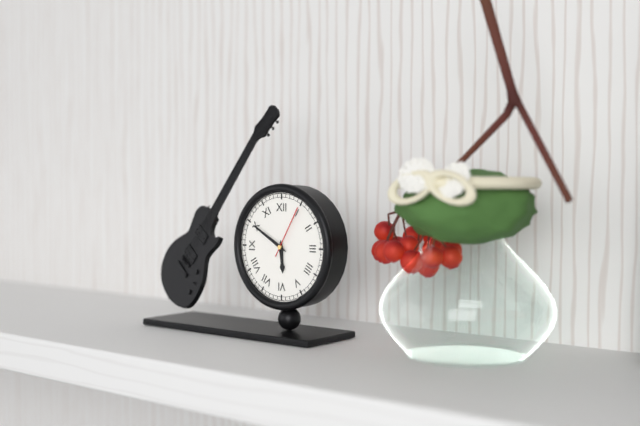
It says **5:50:05**
